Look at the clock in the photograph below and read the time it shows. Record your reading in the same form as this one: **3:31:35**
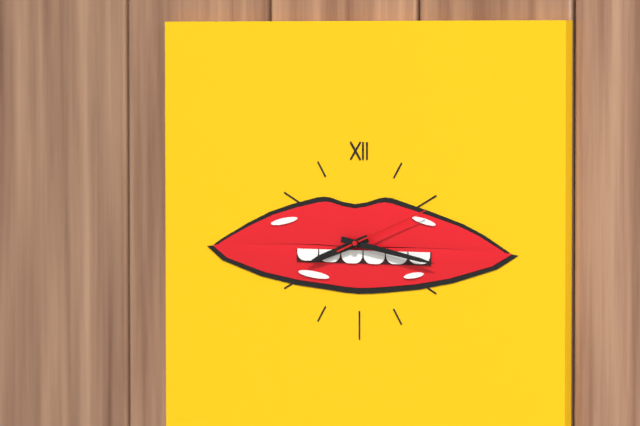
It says **8:17:11**
